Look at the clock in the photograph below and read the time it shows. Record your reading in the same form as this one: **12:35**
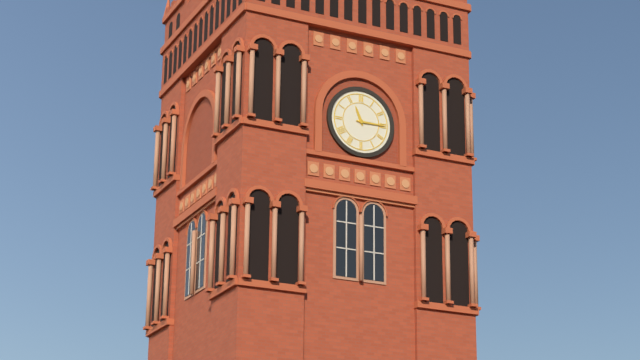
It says **11:15**
